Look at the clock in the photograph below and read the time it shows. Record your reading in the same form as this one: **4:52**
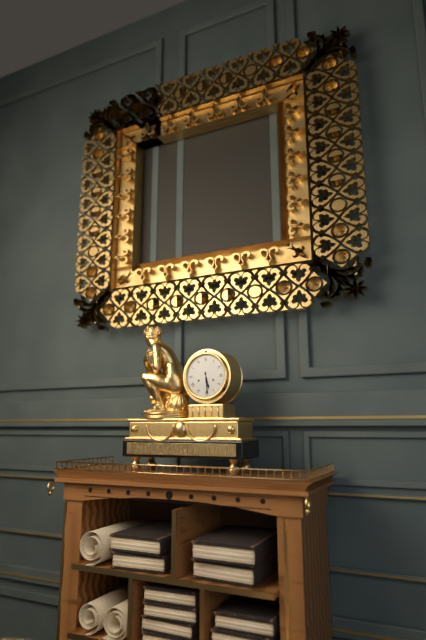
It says **5:29**
